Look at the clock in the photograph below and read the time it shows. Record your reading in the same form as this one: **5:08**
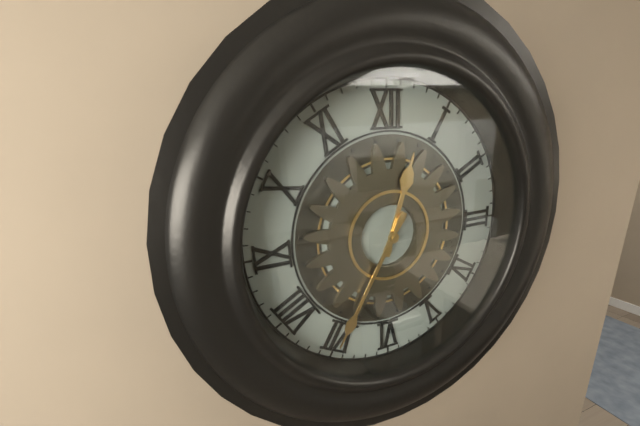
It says **12:35**
